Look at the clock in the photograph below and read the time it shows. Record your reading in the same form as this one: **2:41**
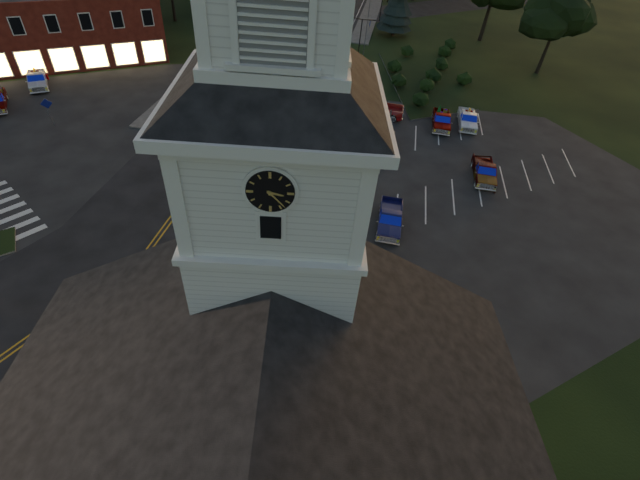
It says **3:23**
